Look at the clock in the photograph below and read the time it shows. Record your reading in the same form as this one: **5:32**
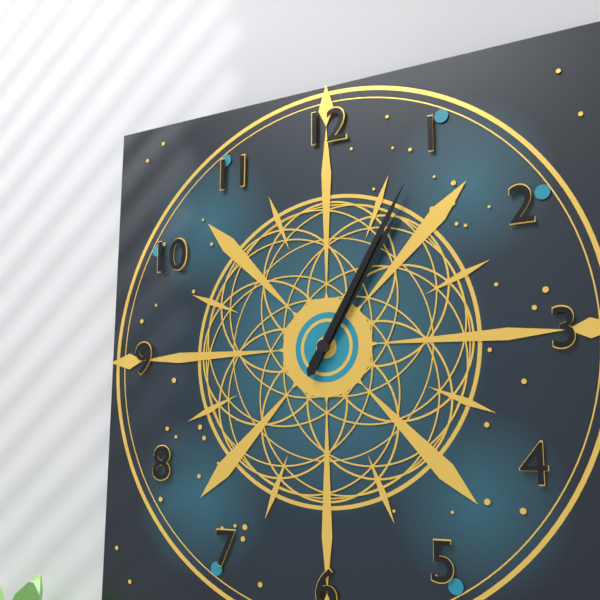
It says **1:05**
